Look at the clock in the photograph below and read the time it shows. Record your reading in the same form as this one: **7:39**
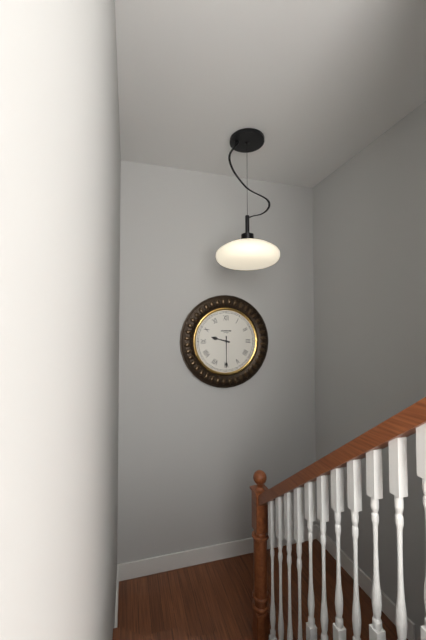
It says **9:30**
